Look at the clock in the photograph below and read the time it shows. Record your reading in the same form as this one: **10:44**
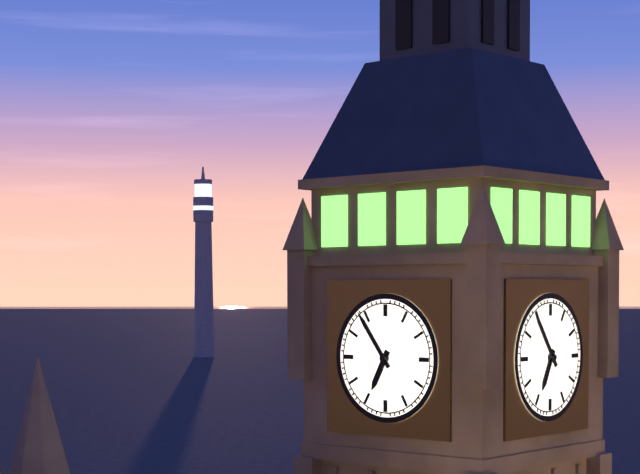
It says **6:54**
